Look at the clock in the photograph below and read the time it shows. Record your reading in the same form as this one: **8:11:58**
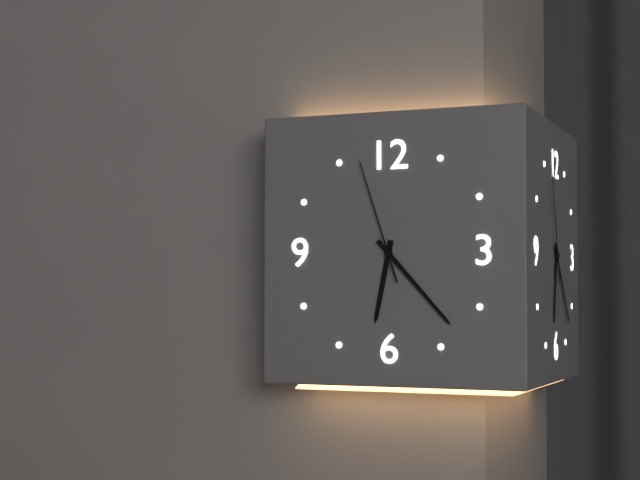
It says **6:23:57**
